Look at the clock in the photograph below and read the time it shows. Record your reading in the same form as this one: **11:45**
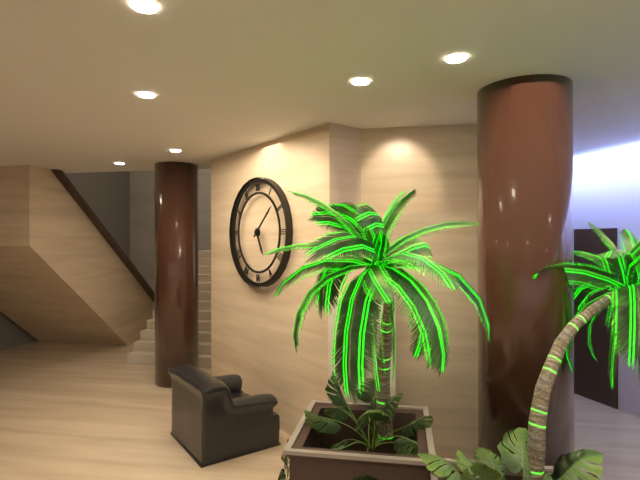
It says **5:08**
